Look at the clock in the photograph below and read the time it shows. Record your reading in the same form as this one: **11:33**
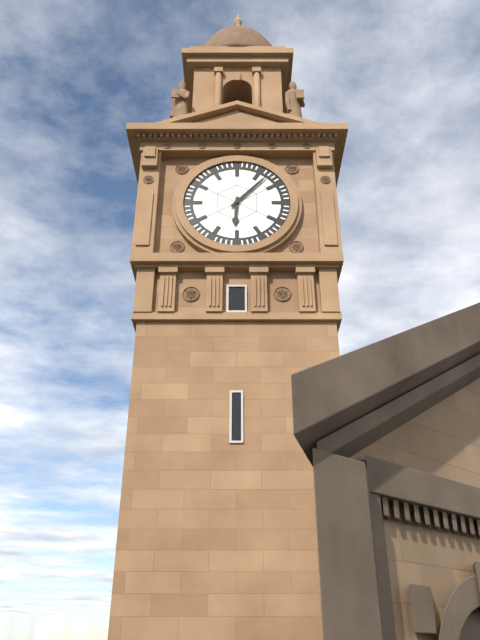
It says **6:07**
